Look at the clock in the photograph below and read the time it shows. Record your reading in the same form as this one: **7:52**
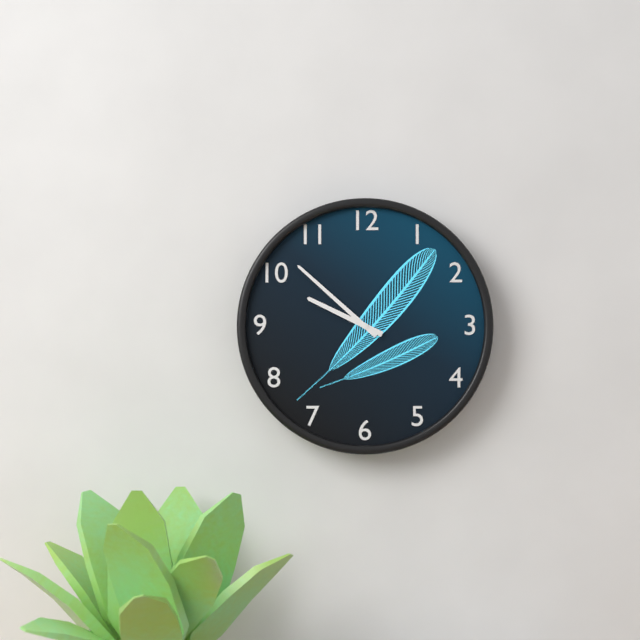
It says **9:52**
